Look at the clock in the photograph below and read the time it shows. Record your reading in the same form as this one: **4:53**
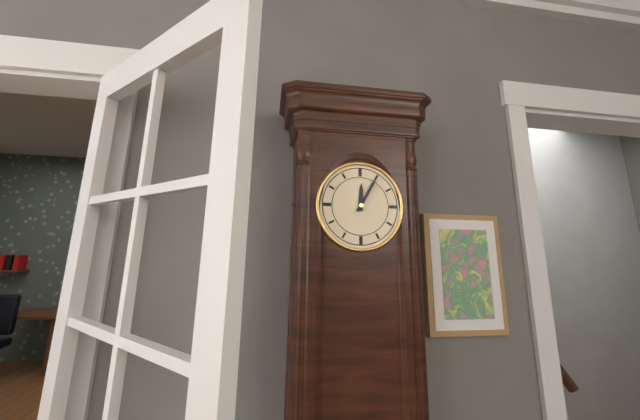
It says **12:05**
